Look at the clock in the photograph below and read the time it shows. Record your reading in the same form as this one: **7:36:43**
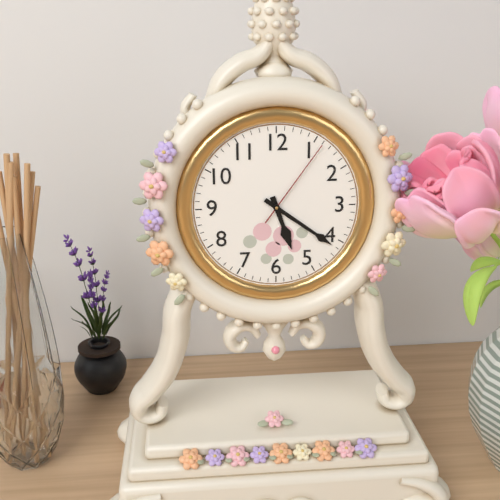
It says **5:21:06**
